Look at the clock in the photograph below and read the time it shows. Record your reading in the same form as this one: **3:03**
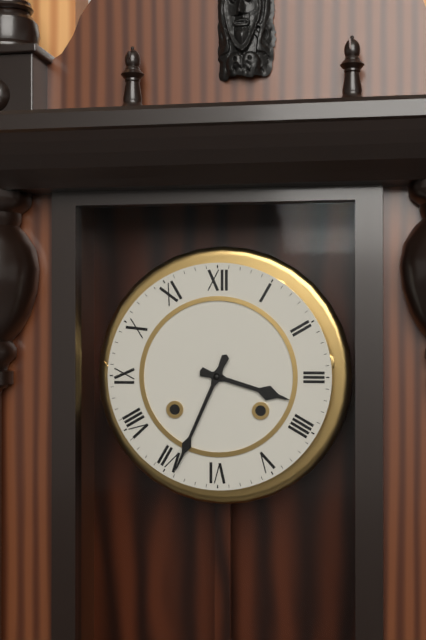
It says **3:34**
